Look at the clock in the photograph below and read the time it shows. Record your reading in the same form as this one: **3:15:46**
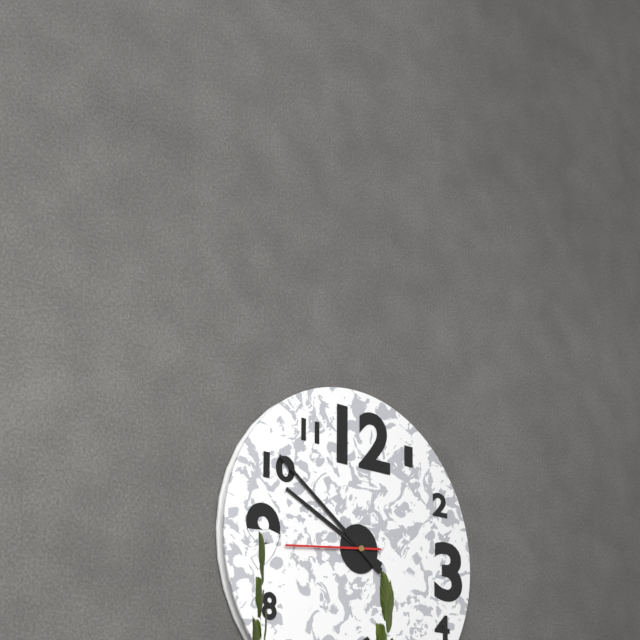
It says **9:51:44**
